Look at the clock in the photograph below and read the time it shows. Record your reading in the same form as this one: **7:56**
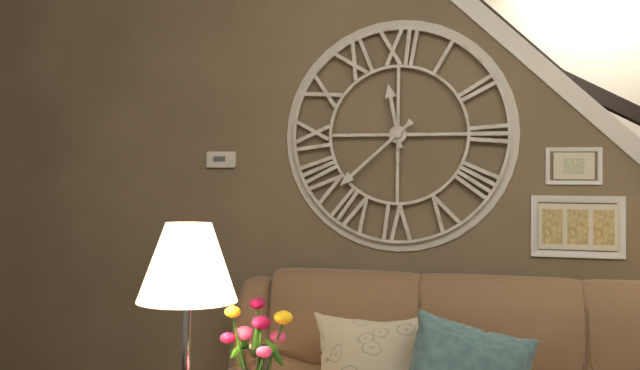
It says **11:38**
